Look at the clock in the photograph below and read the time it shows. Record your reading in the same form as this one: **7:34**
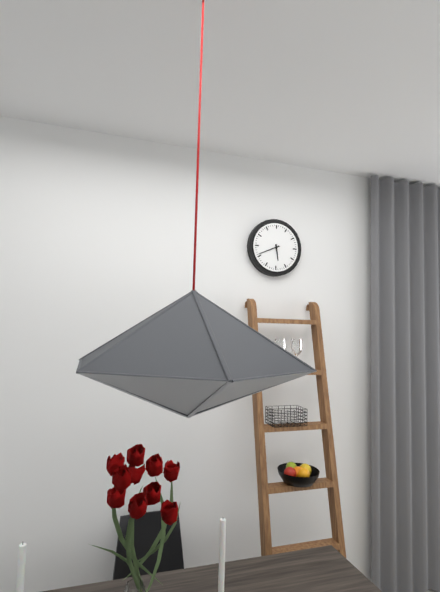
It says **5:41**
